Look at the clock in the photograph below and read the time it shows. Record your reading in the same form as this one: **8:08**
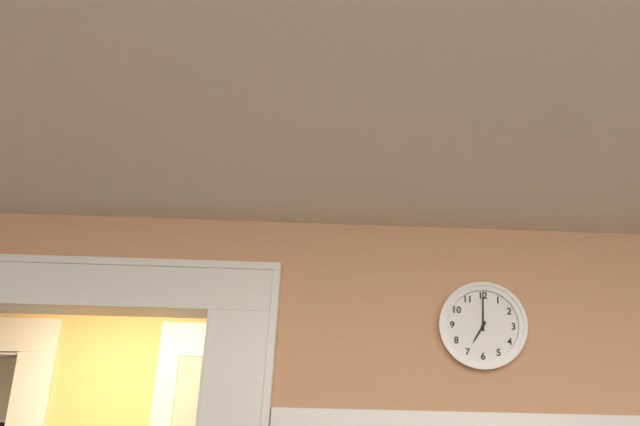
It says **7:00**
